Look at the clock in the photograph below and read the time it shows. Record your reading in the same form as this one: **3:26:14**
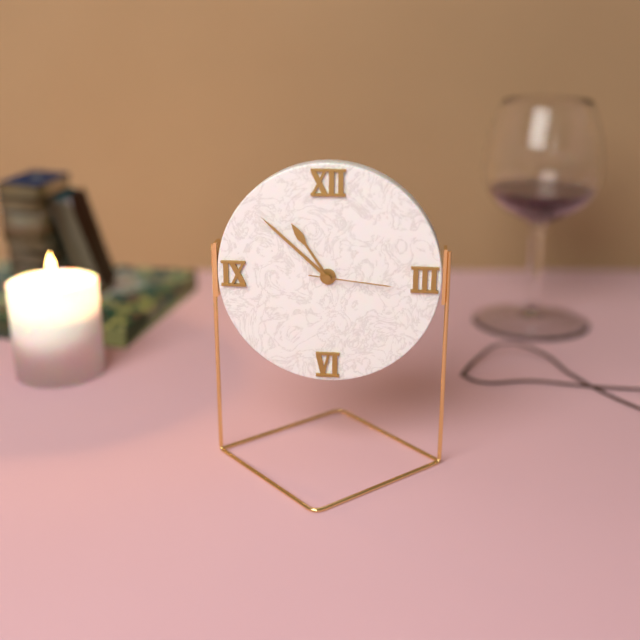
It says **10:52:16**
